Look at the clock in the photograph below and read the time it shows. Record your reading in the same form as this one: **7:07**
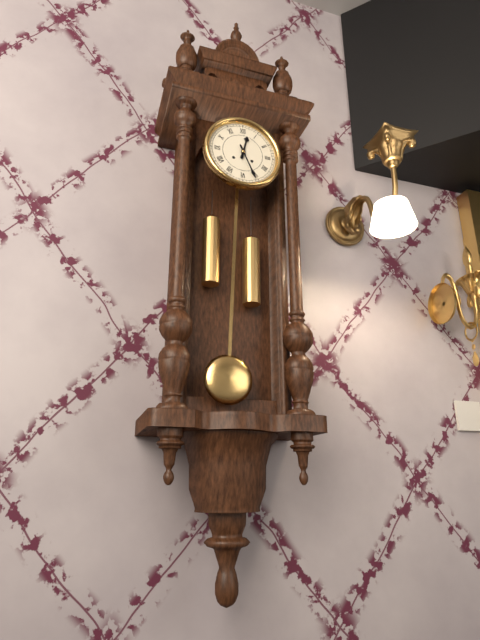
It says **12:26**
